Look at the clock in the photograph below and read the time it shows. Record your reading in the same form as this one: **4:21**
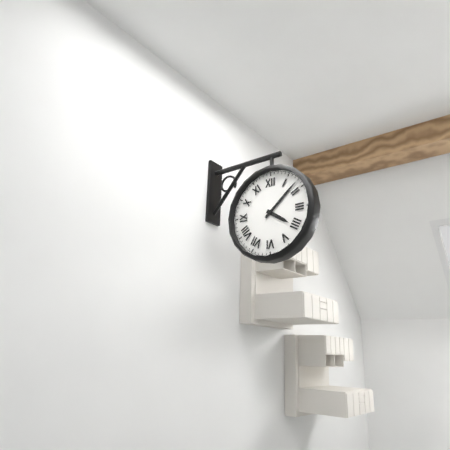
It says **4:08**
